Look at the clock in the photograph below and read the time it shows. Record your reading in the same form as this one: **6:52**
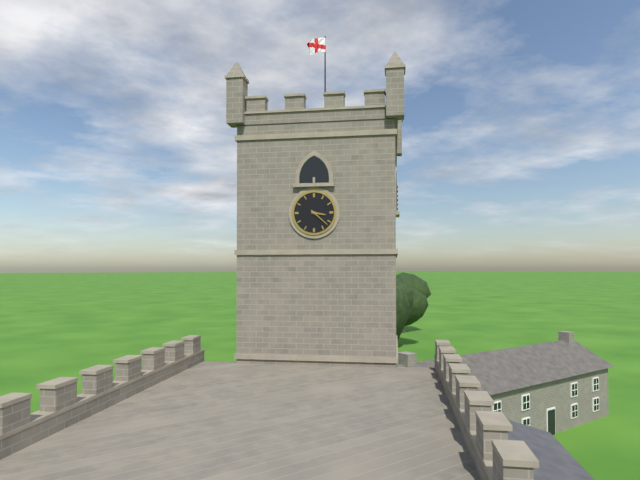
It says **3:22**
